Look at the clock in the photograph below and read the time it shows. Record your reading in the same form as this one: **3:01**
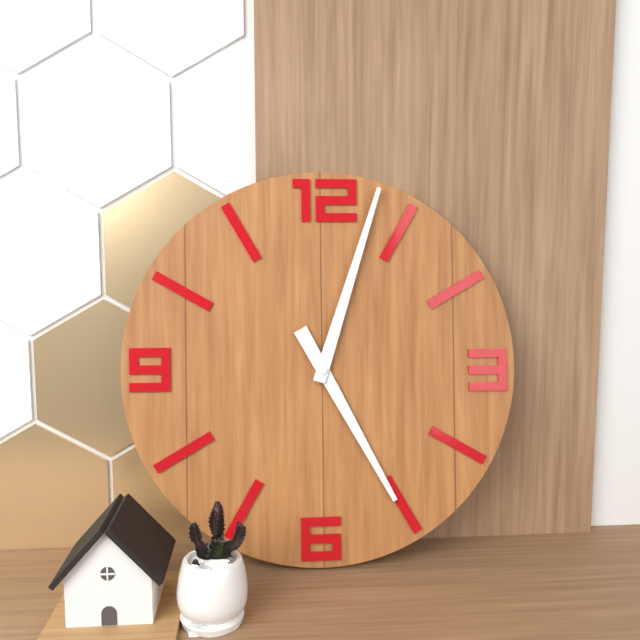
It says **5:03**
